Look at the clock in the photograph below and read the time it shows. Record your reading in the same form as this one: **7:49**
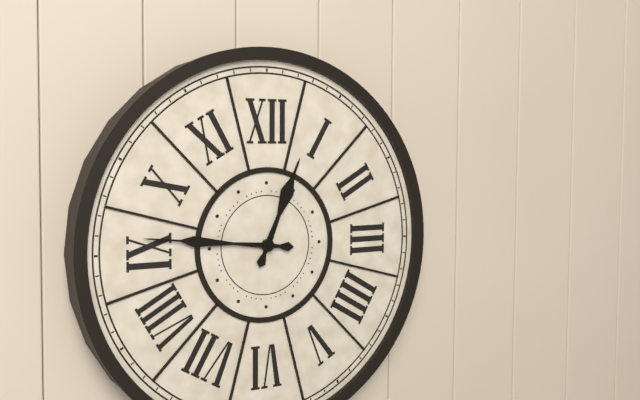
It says **12:46**
